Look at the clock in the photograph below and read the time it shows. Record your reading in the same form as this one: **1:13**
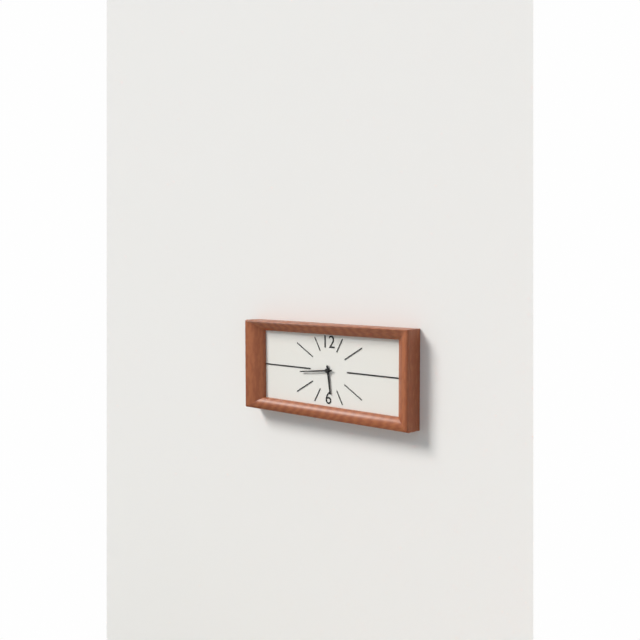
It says **5:44**
